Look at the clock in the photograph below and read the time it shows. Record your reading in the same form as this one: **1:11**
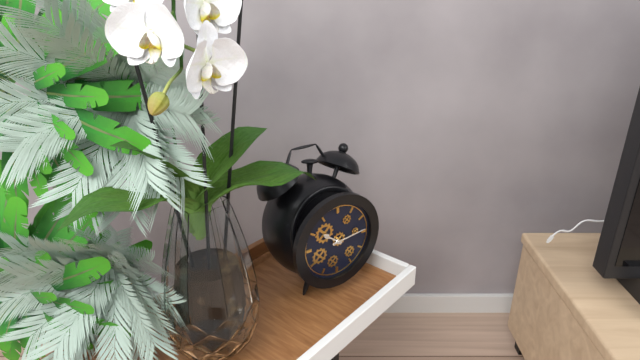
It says **10:14**
